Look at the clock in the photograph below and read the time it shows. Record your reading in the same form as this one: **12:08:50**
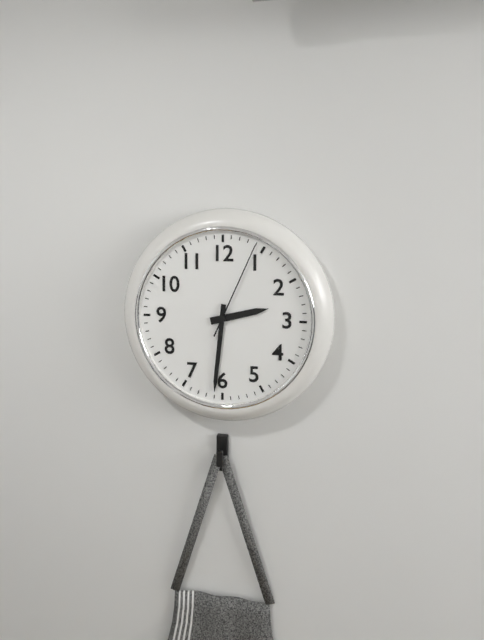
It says **2:31:04**
